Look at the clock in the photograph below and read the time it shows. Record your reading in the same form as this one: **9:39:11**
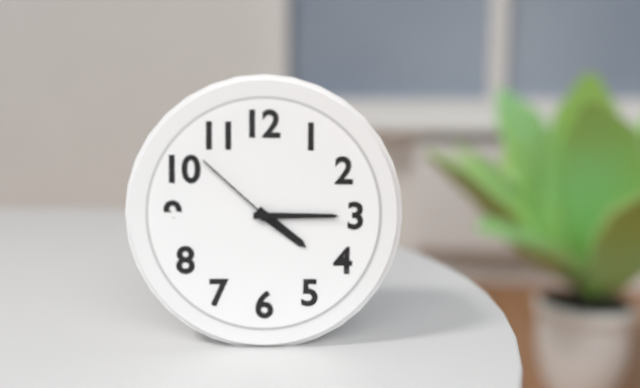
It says **4:15:52**
